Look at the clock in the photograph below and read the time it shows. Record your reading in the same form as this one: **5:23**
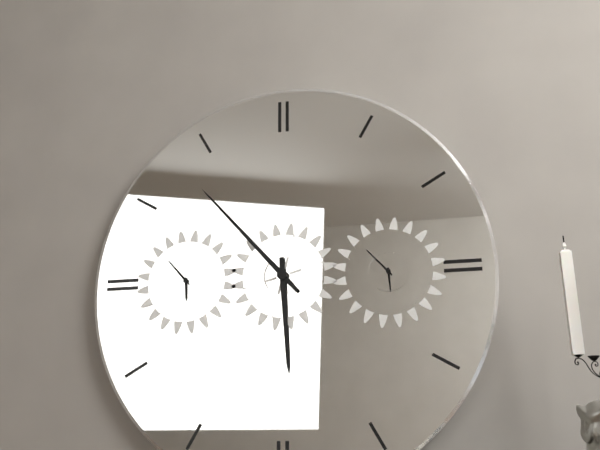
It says **5:53**
